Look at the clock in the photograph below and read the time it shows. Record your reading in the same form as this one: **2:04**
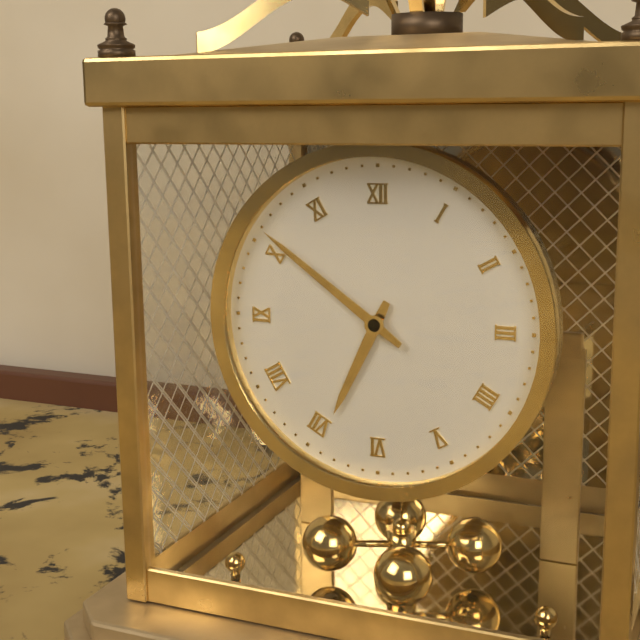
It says **6:51**
